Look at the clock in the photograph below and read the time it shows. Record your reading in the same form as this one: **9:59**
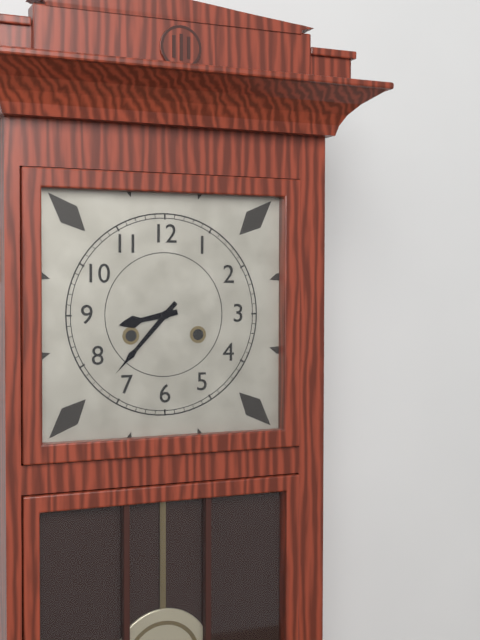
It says **8:37**
